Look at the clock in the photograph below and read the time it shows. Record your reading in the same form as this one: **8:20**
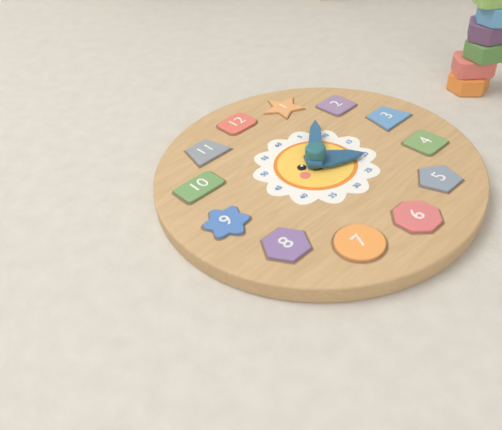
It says **4:08**
